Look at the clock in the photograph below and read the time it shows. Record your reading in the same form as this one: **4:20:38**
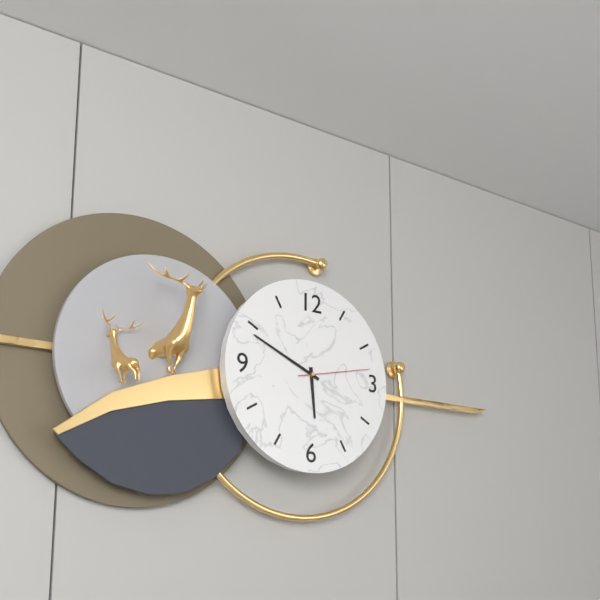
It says **5:49:13**
